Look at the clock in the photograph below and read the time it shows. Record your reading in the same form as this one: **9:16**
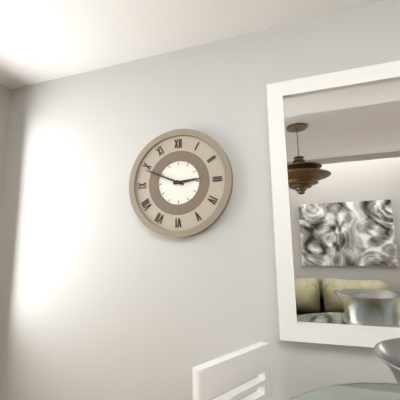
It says **2:49**
